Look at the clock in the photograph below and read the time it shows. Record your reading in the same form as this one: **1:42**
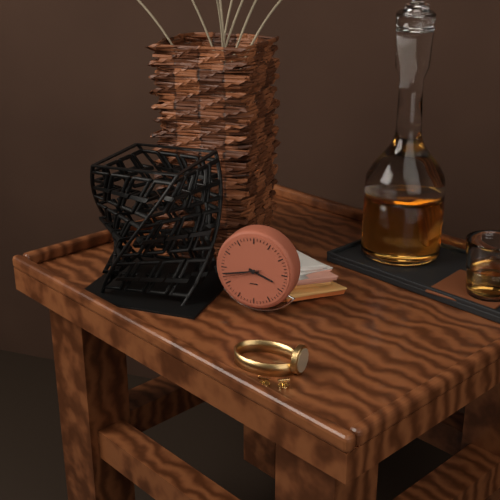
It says **3:43**
